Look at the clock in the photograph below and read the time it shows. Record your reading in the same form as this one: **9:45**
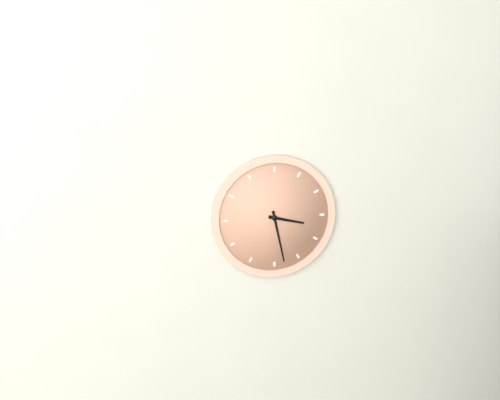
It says **3:28**
